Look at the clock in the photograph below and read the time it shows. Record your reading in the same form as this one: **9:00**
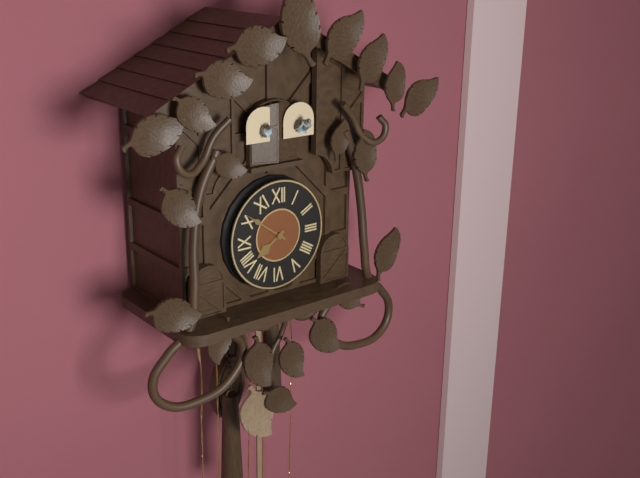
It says **7:51**
